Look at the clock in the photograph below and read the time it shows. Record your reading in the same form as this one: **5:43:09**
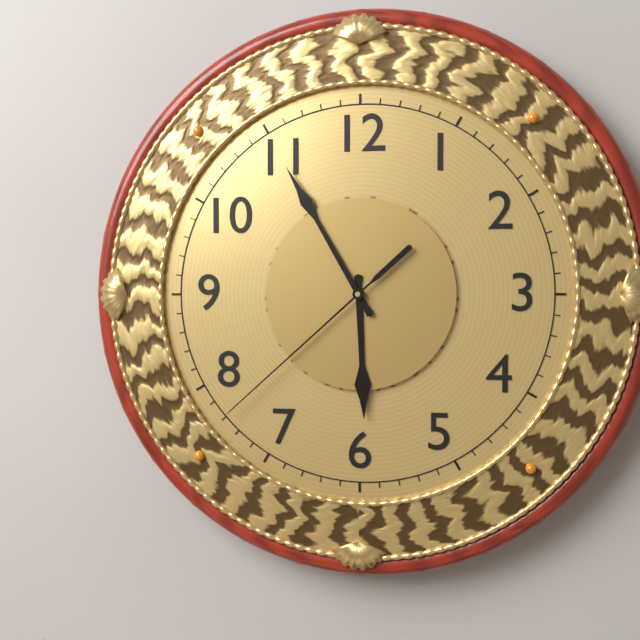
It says **5:55:38**
